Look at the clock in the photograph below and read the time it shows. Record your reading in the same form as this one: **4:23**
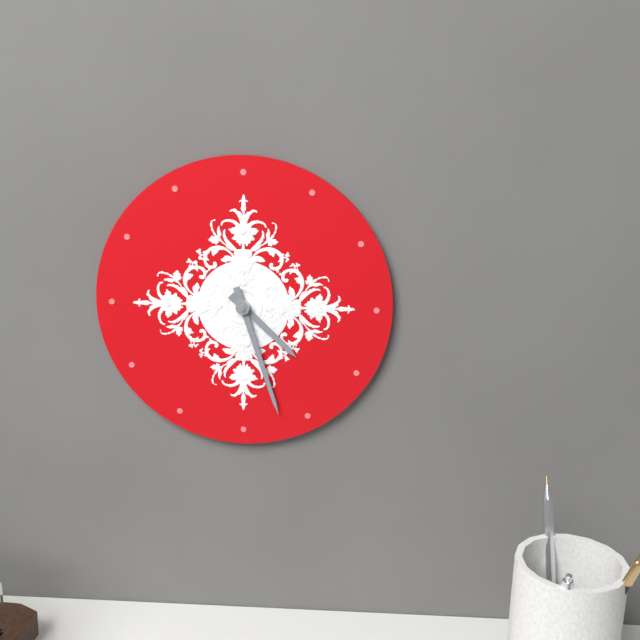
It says **4:27**
